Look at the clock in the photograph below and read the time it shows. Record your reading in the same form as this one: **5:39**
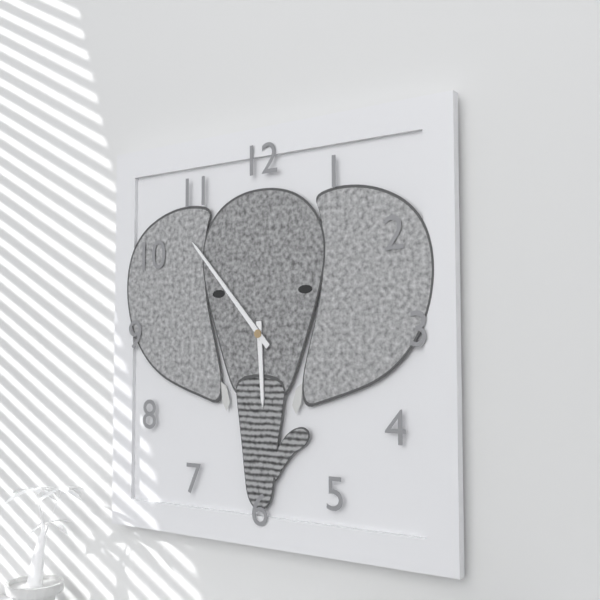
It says **5:53**
